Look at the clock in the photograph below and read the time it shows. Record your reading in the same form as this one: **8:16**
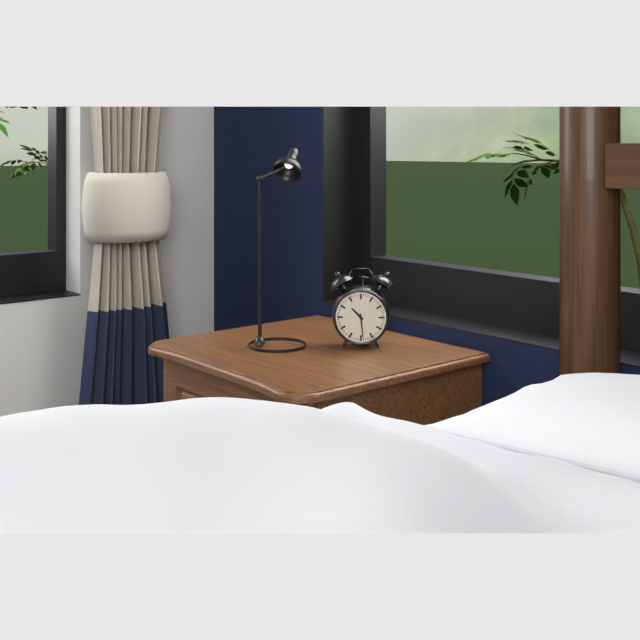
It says **10:29**
